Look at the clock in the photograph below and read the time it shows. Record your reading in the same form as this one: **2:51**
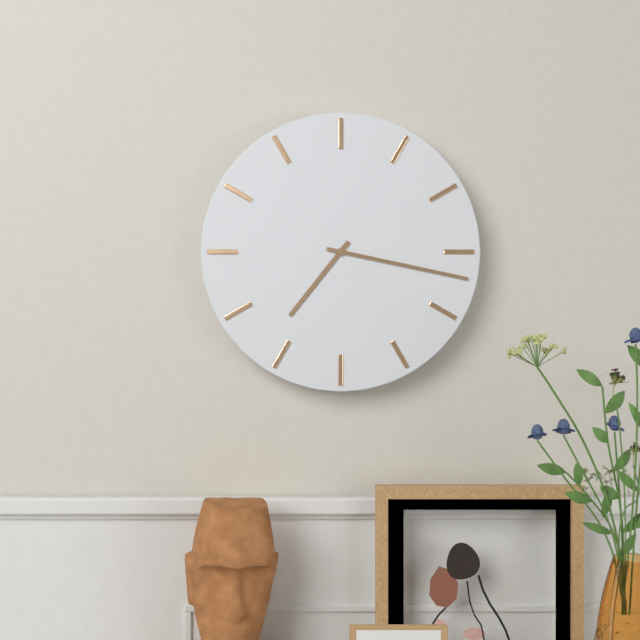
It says **7:17**
